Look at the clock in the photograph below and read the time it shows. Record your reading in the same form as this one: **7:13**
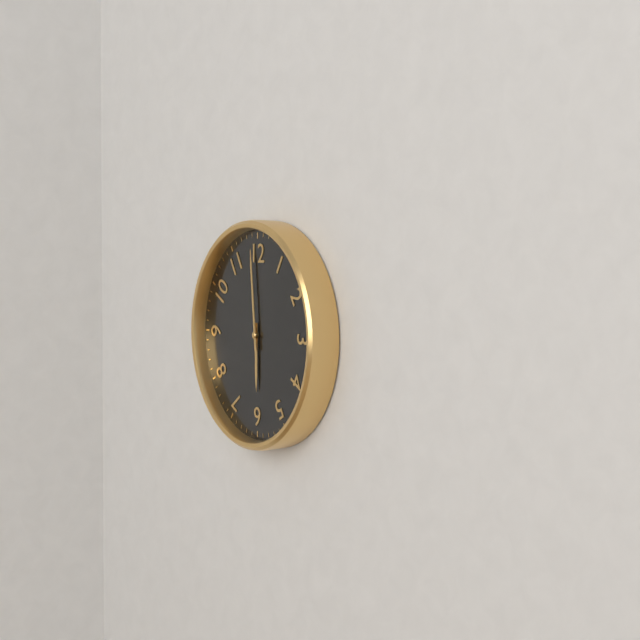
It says **5:59**
